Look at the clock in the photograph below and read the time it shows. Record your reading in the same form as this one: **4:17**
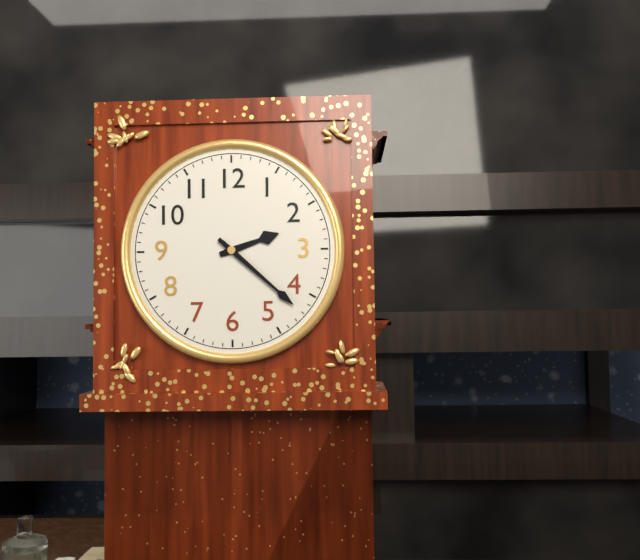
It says **2:22**
